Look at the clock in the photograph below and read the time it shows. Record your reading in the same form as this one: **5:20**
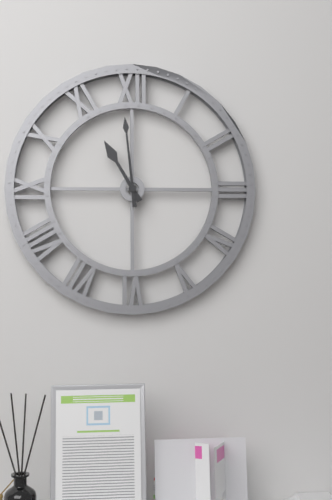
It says **10:59**
